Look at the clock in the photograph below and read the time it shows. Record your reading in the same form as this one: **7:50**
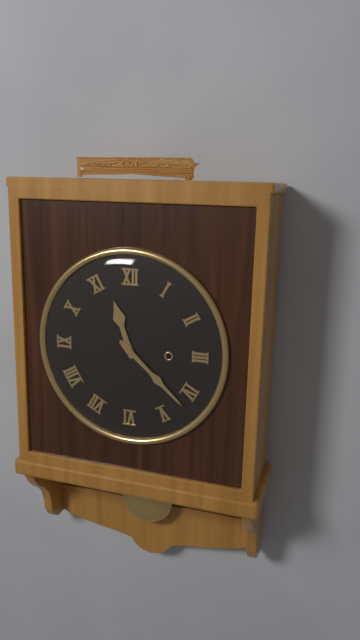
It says **11:22**
